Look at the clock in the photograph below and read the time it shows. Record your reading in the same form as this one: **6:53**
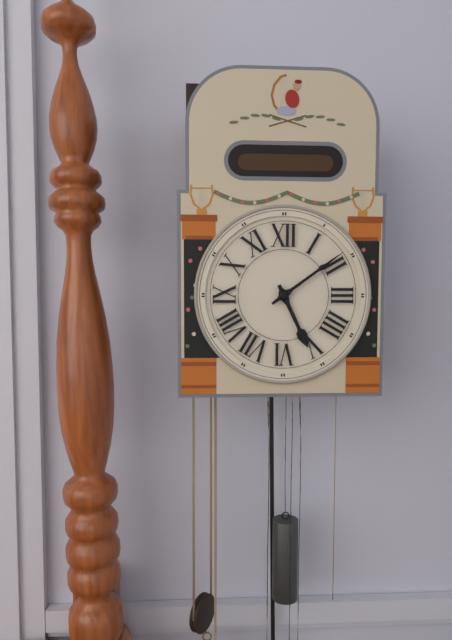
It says **5:09**
